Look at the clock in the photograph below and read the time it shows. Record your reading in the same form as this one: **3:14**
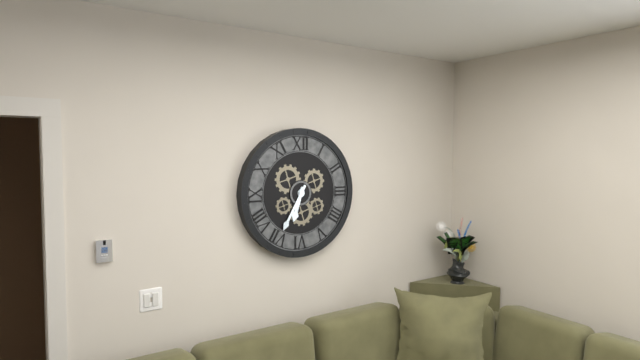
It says **6:35**
